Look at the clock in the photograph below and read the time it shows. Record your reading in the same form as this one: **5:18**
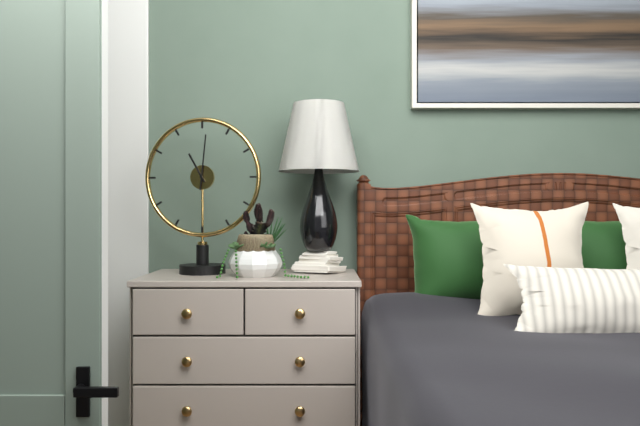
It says **11:01**
